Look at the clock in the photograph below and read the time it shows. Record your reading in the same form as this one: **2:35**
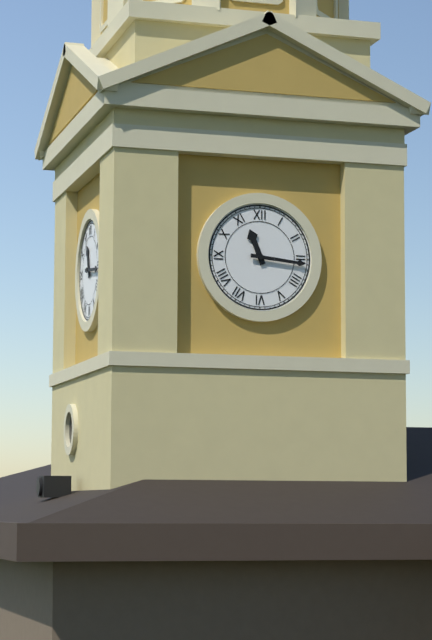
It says **11:16**
